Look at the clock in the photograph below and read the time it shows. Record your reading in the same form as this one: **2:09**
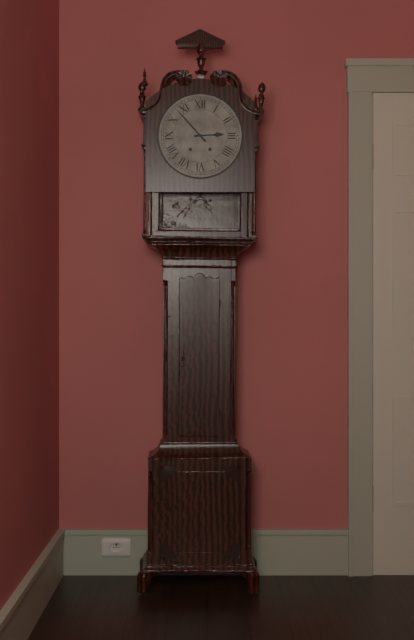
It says **2:53**
